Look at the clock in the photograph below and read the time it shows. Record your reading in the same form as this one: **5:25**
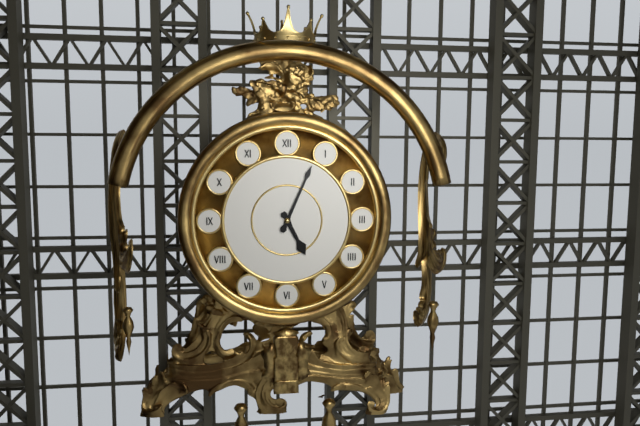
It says **5:04**
